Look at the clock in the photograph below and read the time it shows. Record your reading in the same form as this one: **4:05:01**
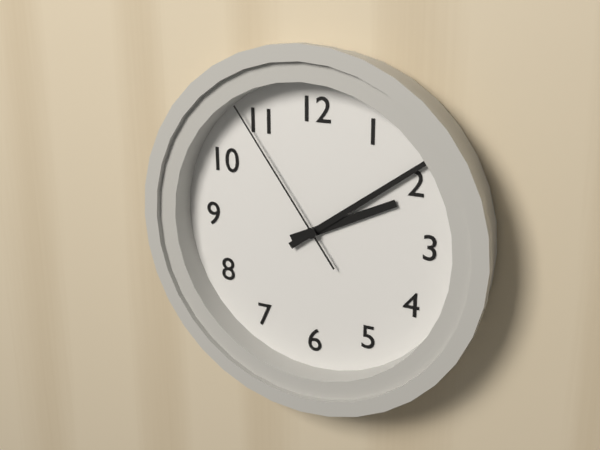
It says **2:09:54**
